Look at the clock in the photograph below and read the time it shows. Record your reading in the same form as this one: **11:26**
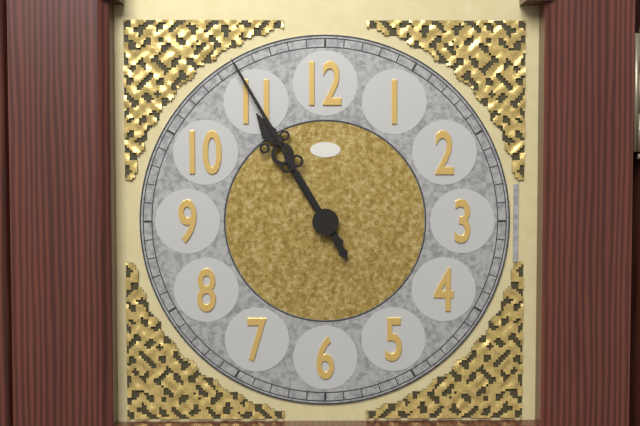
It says **10:55**
